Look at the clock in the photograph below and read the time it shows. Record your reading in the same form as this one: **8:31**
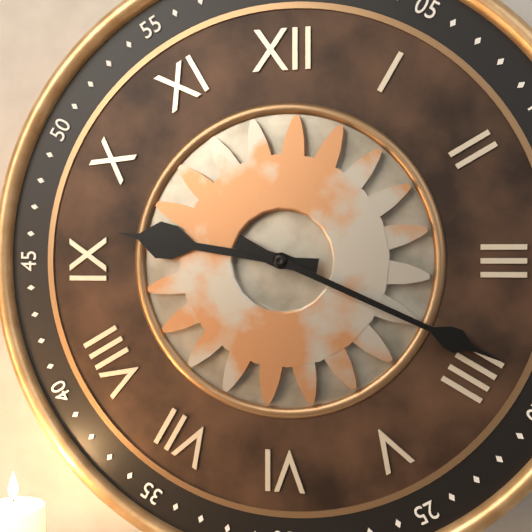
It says **9:19**
